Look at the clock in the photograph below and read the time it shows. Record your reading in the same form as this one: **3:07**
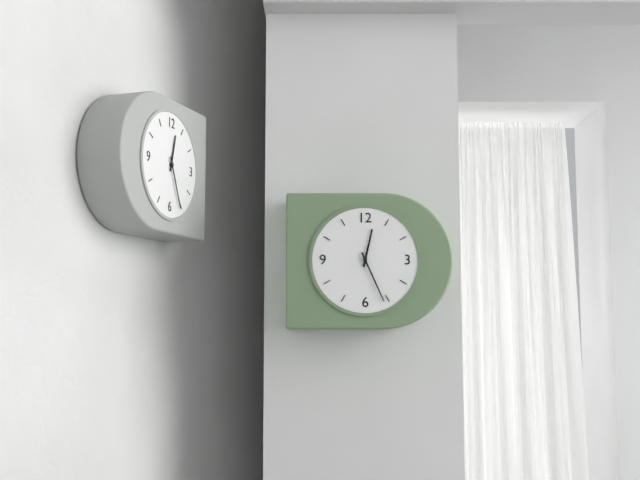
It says **12:26**
